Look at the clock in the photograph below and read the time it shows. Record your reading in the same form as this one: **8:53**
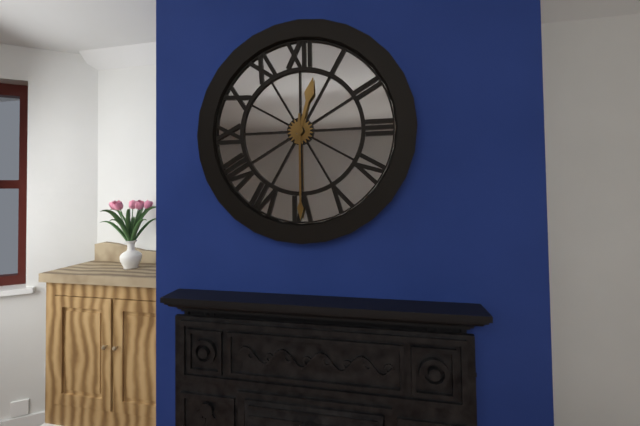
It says **12:30**
